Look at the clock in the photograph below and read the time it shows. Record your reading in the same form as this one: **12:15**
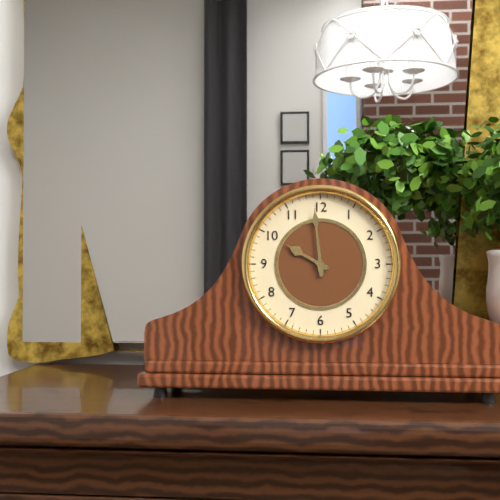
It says **9:59**
